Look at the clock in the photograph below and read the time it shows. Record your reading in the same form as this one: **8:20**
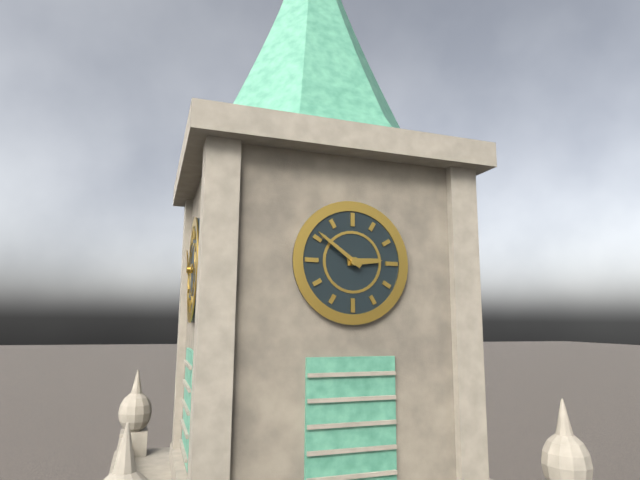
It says **2:51**
